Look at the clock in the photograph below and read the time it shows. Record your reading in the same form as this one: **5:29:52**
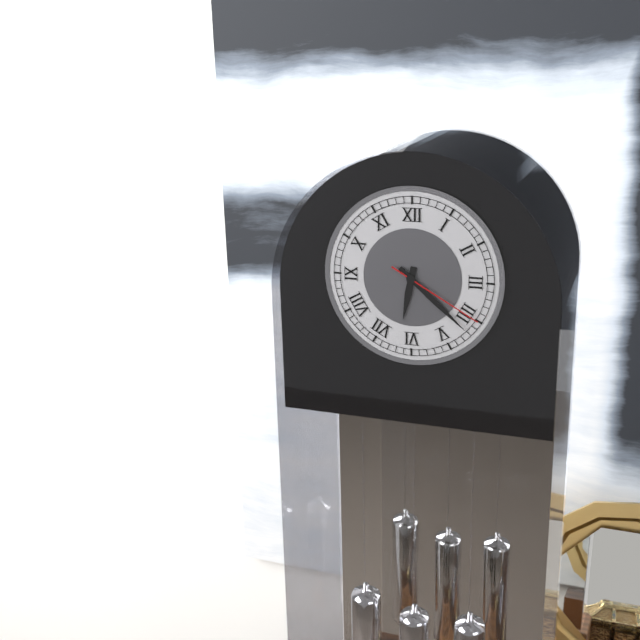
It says **6:22:20**
